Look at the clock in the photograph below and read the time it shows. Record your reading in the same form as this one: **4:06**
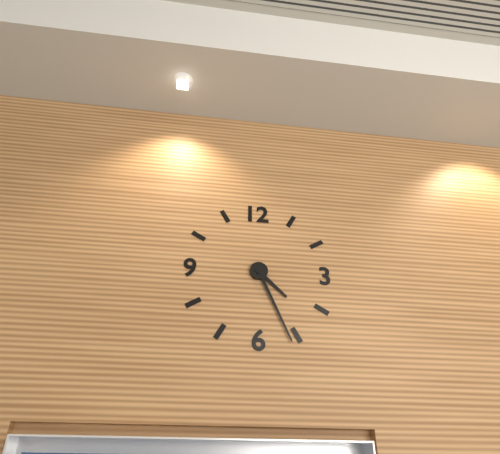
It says **4:26**
